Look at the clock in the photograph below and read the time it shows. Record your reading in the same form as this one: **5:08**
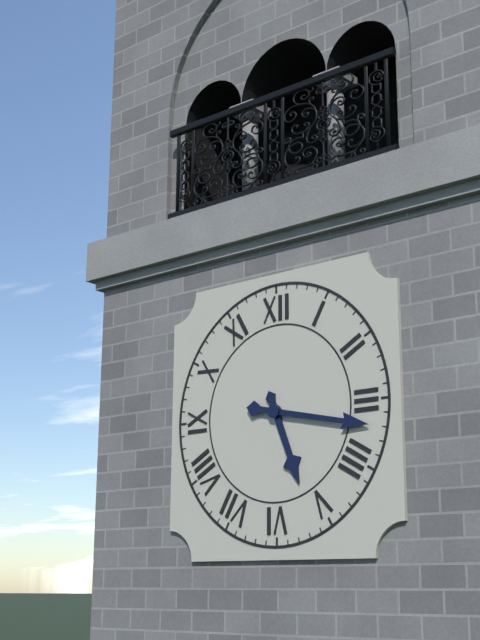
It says **5:17**
